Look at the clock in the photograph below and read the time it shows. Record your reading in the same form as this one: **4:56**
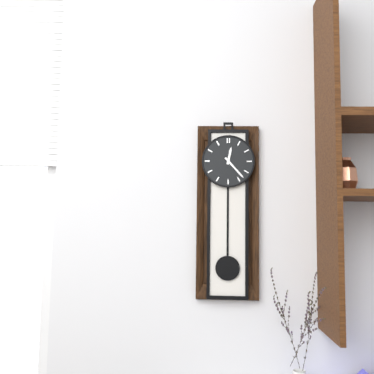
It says **12:23**
